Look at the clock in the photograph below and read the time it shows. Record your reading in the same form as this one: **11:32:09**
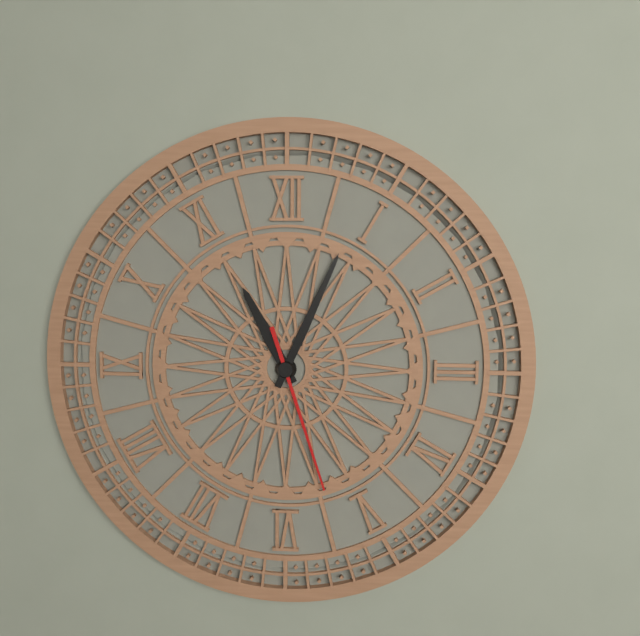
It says **11:04:27**
